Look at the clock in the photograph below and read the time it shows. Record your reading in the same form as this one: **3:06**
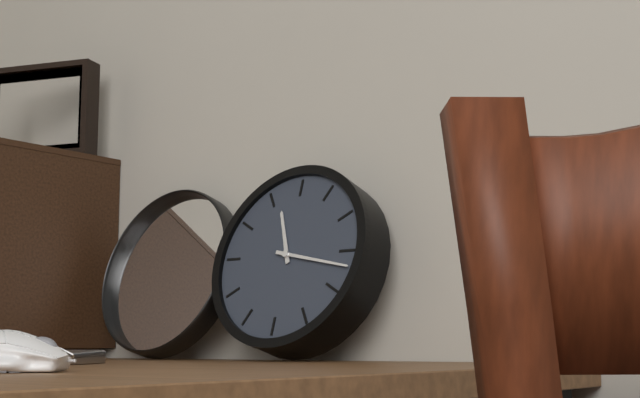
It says **11:17**
